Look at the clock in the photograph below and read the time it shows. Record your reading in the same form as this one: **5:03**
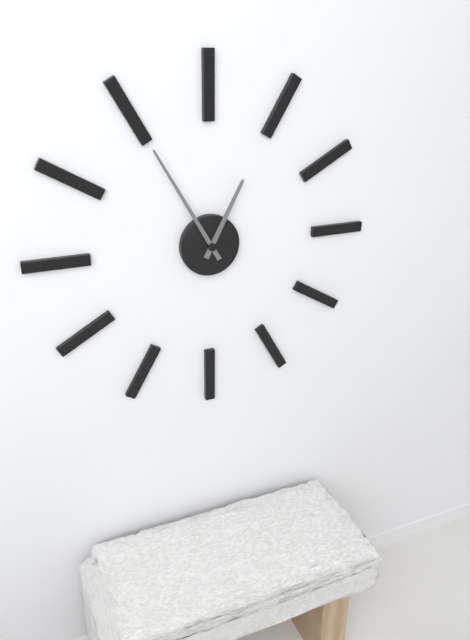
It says **12:55**
